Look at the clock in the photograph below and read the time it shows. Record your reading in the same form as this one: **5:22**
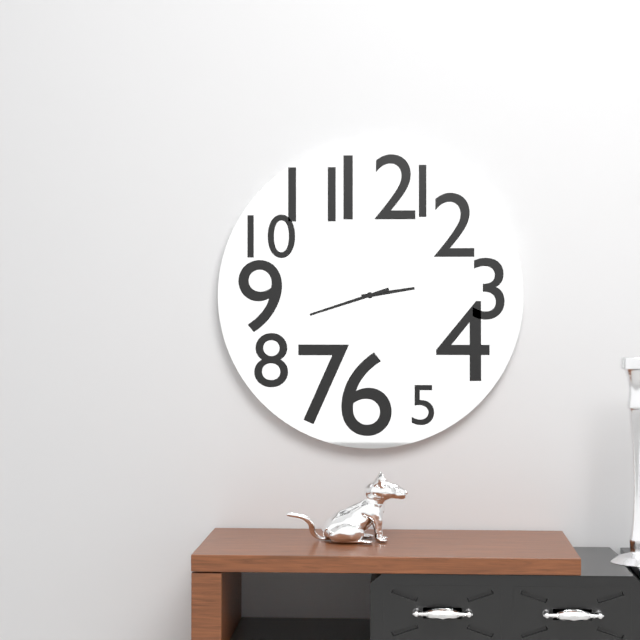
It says **2:42**
